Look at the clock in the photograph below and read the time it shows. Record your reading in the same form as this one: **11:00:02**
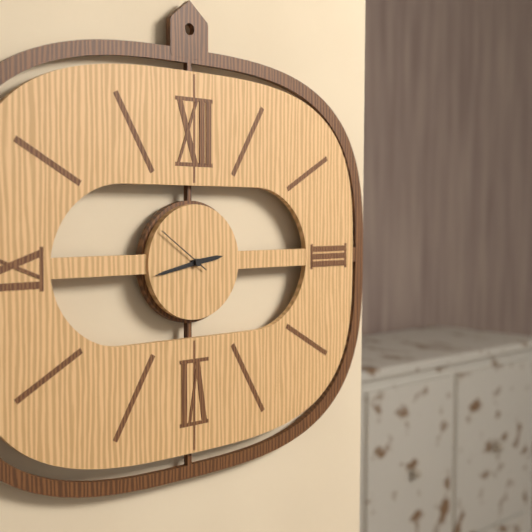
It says **2:43:51**
